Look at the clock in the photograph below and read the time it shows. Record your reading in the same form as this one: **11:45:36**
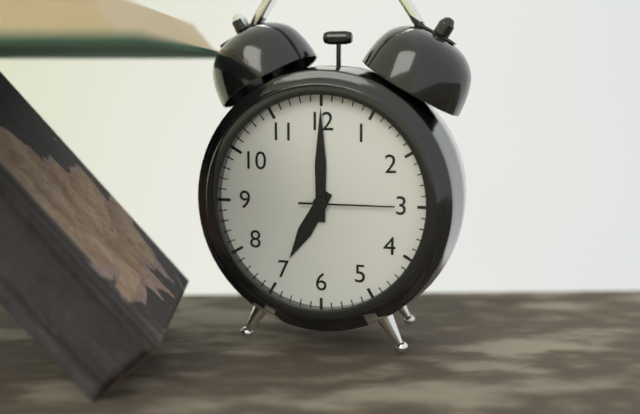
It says **7:00:15**
